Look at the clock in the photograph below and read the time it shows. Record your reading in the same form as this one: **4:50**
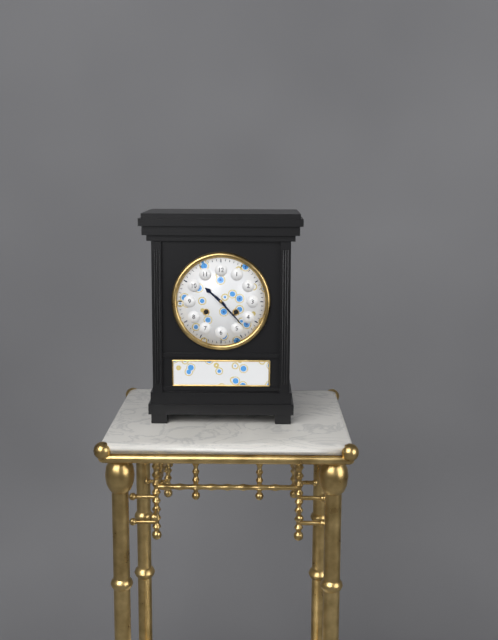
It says **10:23**
